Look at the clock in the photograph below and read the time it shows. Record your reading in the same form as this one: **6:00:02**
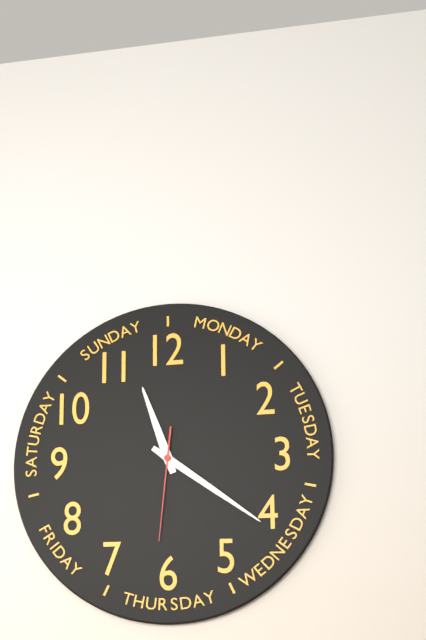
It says **11:21:31**
